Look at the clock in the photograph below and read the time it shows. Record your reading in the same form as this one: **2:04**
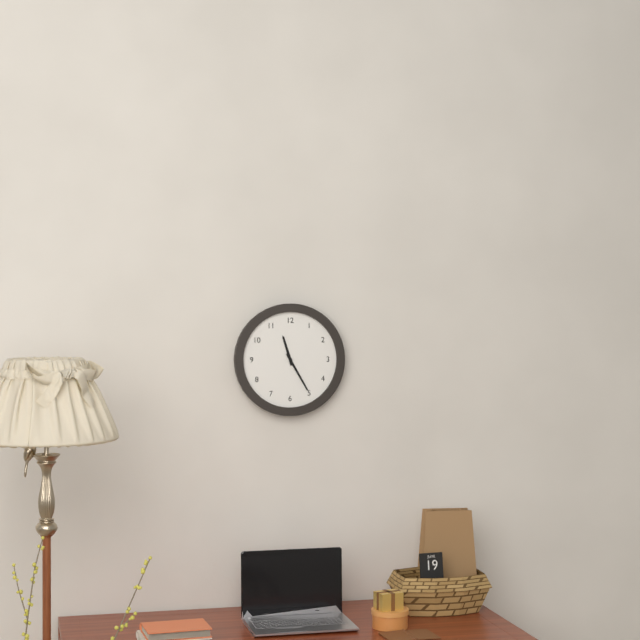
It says **11:25**
